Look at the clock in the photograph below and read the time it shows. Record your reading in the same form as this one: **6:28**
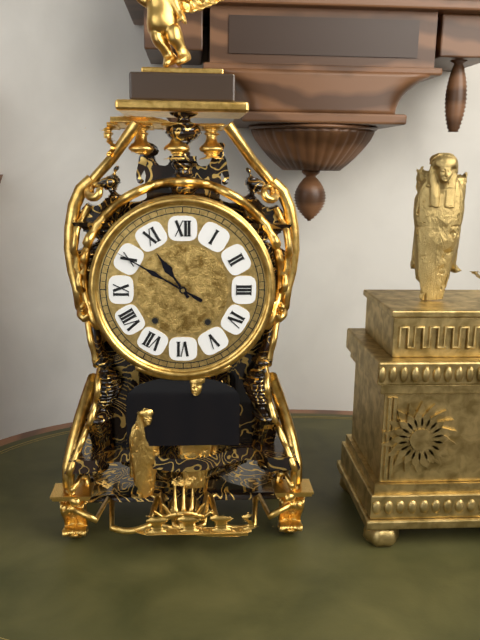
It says **10:50**
